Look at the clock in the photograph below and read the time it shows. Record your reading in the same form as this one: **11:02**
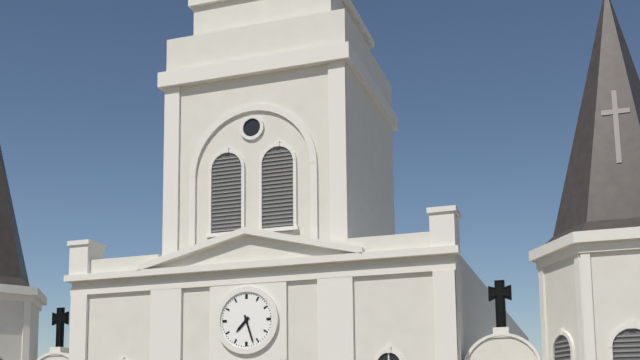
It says **7:27**
